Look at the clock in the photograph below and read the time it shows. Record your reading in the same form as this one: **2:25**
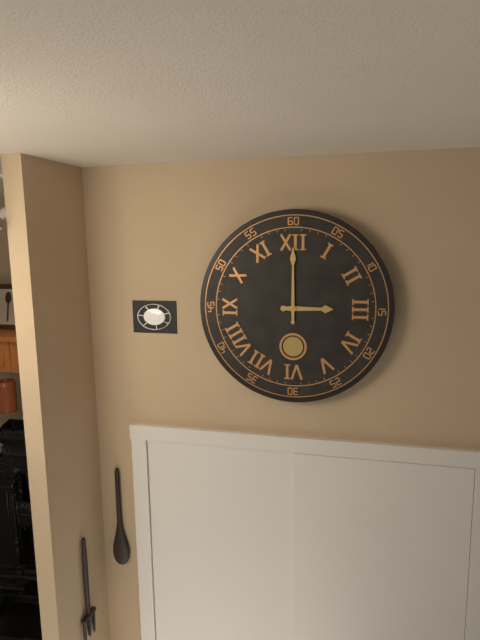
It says **3:00**
